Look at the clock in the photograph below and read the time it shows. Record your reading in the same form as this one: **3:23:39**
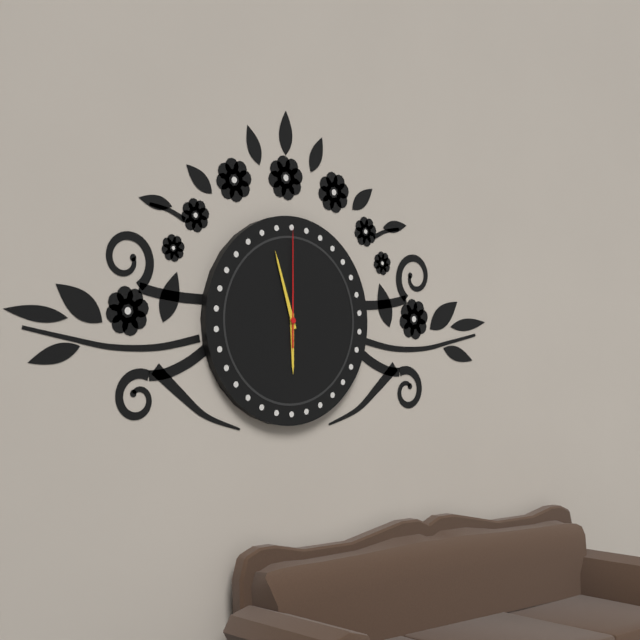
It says **5:57:00**
